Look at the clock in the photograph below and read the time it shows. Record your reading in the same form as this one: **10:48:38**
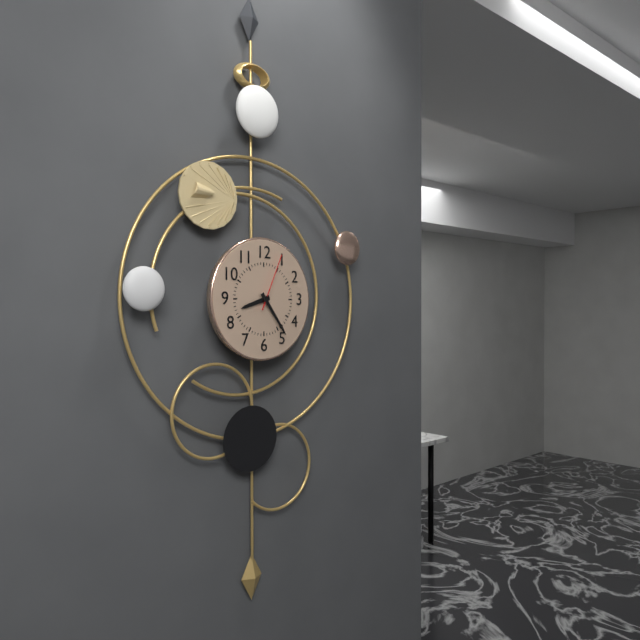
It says **8:24:04**
